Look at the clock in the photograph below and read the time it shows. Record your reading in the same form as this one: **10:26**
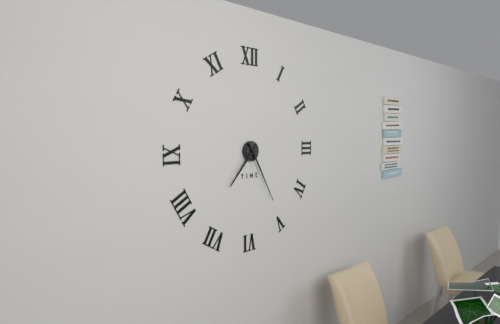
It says **7:25**
